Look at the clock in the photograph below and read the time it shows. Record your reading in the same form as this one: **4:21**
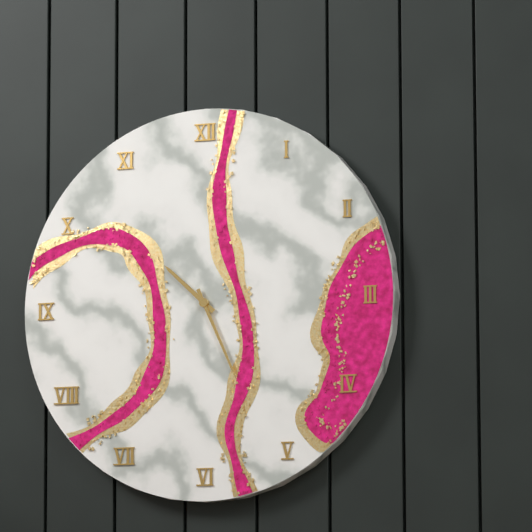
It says **10:26**
